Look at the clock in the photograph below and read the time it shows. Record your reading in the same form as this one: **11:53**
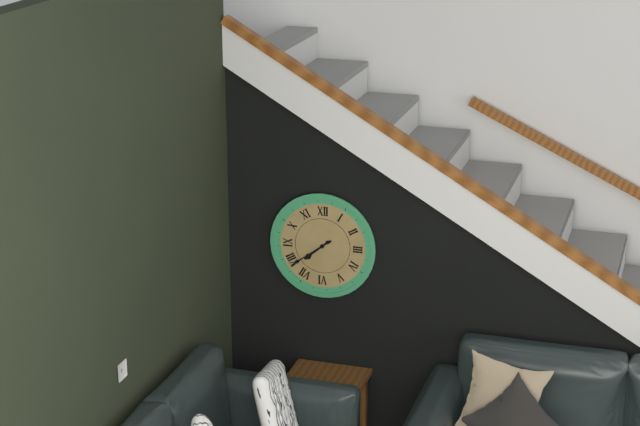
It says **7:39**
